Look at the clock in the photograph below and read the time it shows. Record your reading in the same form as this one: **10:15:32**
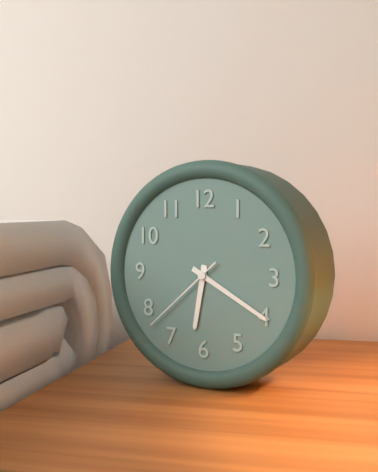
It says **6:20:38**
